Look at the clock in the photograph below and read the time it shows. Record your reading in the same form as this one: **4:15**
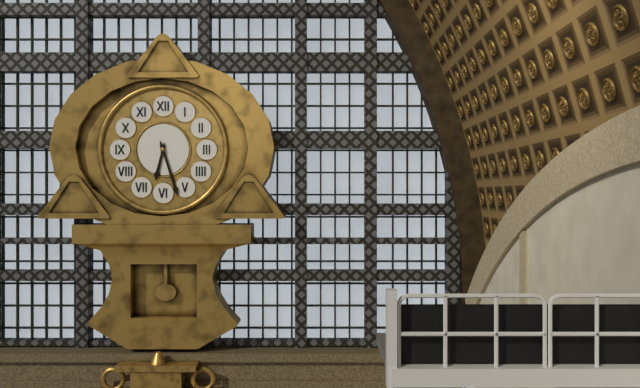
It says **6:27**
